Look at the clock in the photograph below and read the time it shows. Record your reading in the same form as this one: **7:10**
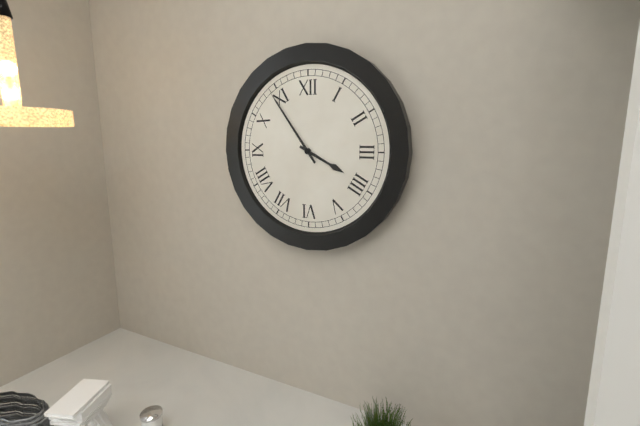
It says **3:54**
